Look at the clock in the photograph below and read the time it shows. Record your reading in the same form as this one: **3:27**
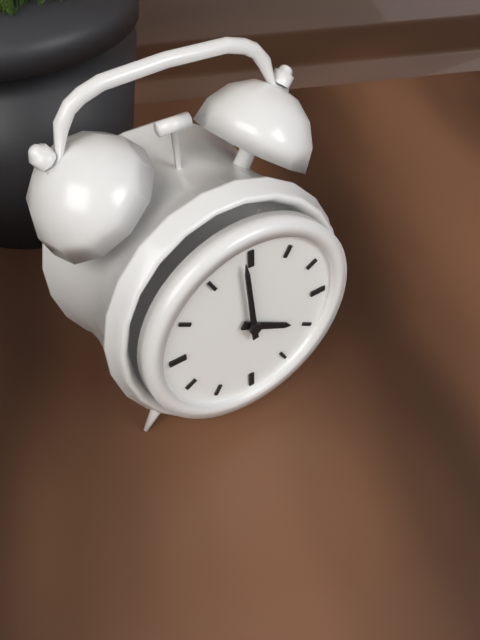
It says **3:59**
